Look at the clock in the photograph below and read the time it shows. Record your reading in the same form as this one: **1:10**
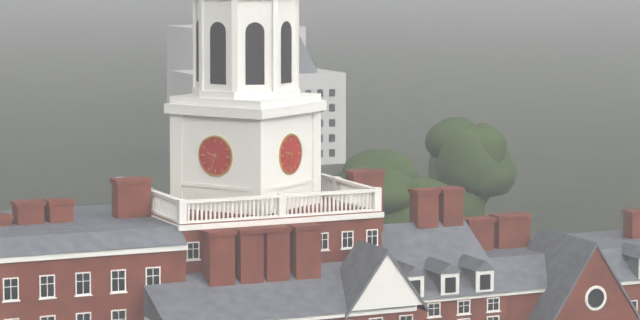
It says **9:33**
